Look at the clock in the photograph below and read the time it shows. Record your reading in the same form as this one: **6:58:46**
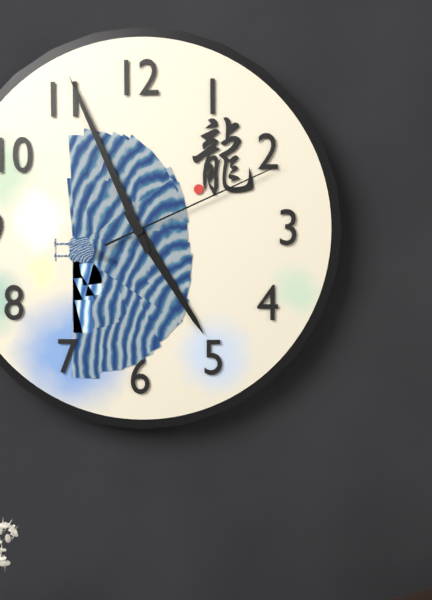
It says **4:56:11**
